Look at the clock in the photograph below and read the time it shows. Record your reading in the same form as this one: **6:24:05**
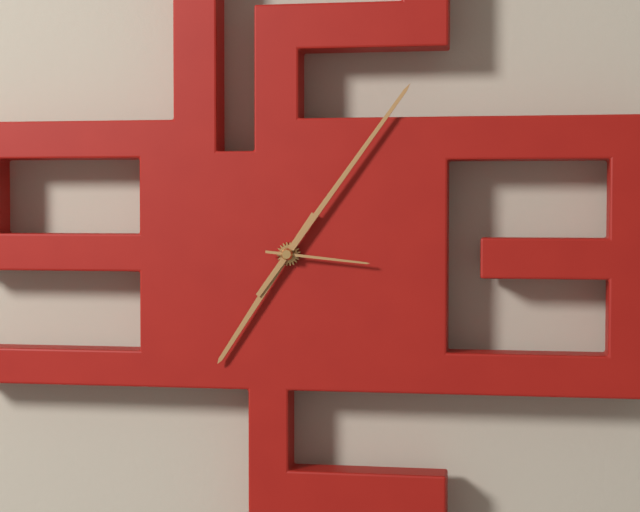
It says **7:06:16**
